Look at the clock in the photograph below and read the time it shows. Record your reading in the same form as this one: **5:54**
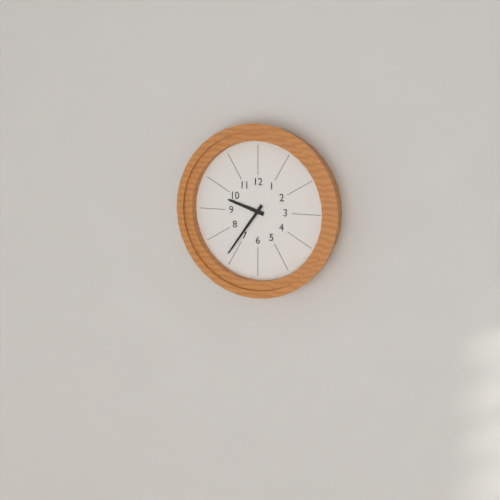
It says **9:36**
